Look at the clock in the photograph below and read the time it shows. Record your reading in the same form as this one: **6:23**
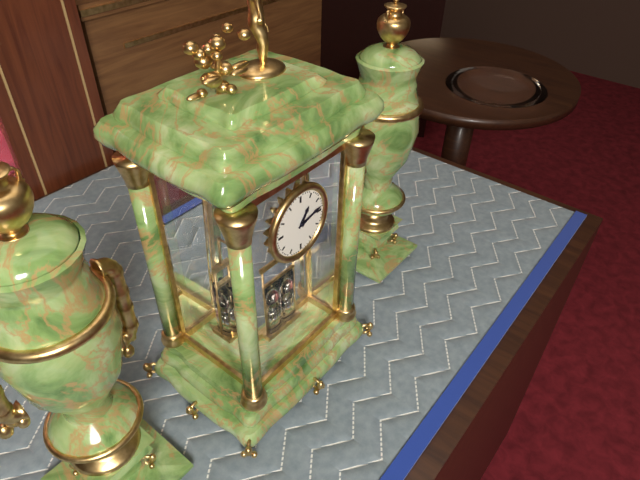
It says **1:13**
